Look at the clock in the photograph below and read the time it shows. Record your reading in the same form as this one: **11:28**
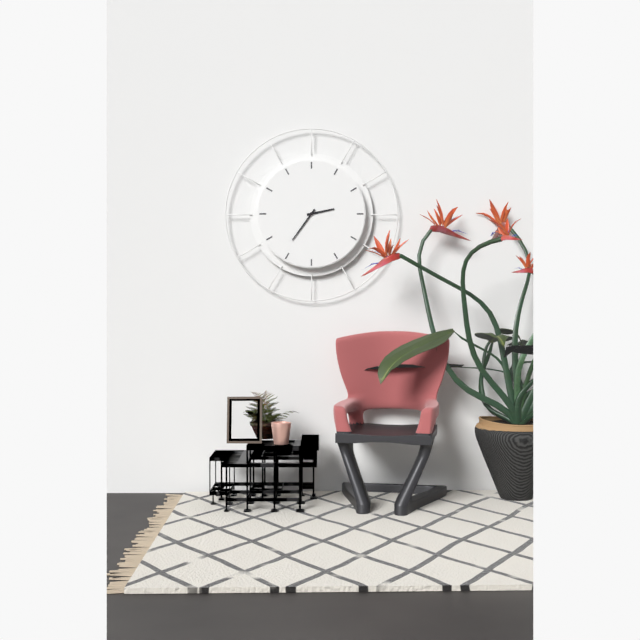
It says **2:36**
